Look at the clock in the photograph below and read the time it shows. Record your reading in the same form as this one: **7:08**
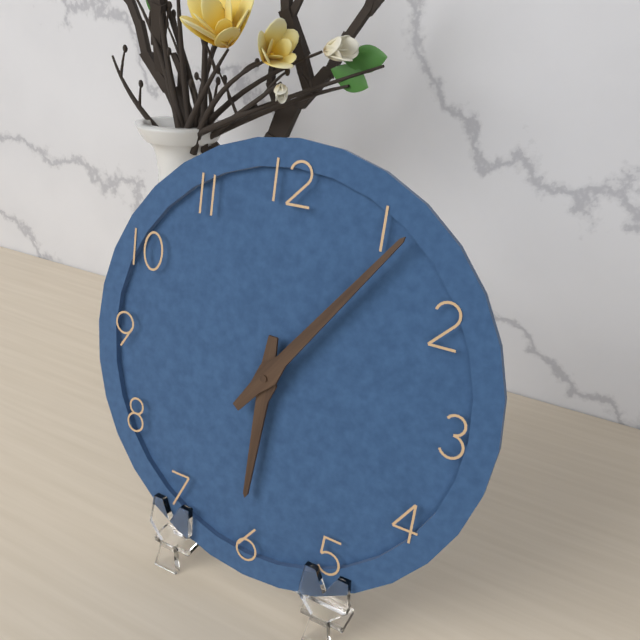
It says **6:06**
